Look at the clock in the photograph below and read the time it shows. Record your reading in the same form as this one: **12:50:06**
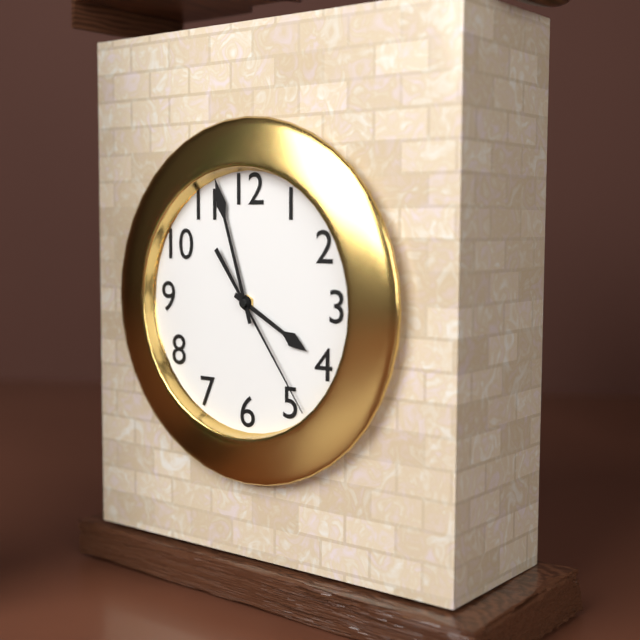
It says **3:57:24**
